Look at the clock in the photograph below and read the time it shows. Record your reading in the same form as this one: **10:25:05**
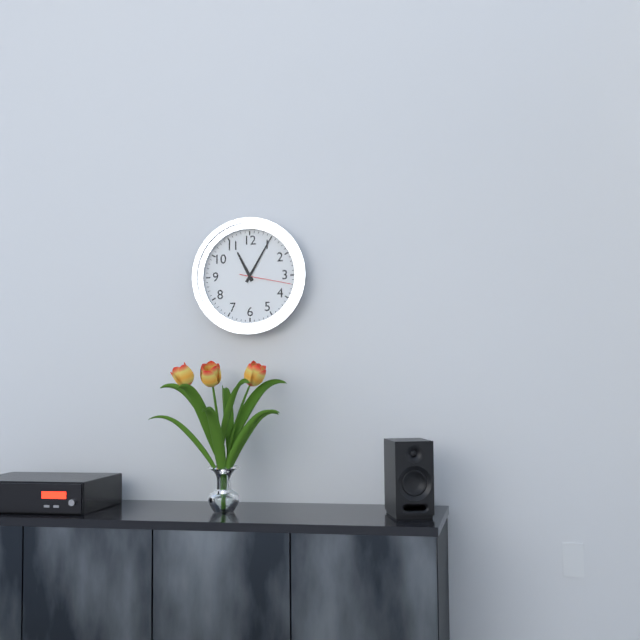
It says **11:05:17**
